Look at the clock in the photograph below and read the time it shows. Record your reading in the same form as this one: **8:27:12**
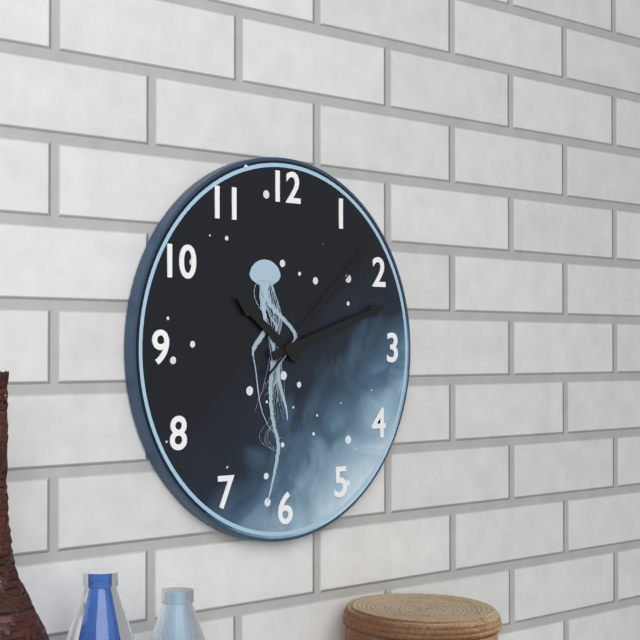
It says **10:12:08**
